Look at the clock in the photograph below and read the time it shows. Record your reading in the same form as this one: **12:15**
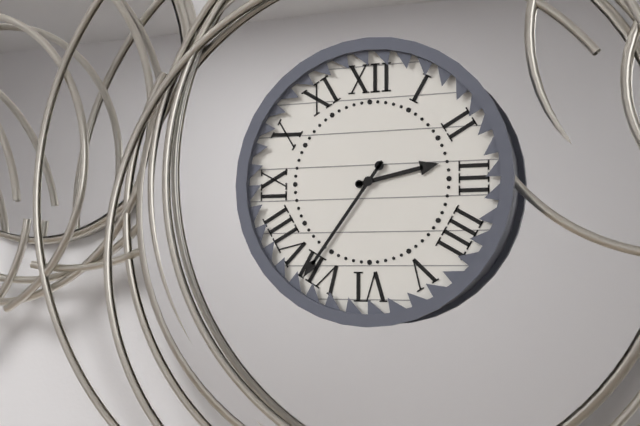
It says **2:36**
